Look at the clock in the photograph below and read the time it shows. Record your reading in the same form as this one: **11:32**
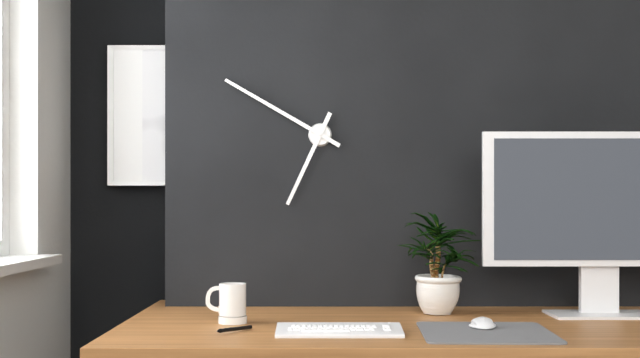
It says **6:50**
